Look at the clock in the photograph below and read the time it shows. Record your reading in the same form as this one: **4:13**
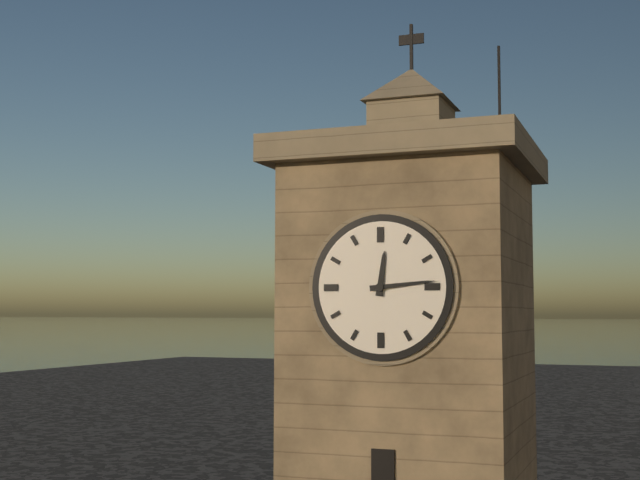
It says **12:14**
